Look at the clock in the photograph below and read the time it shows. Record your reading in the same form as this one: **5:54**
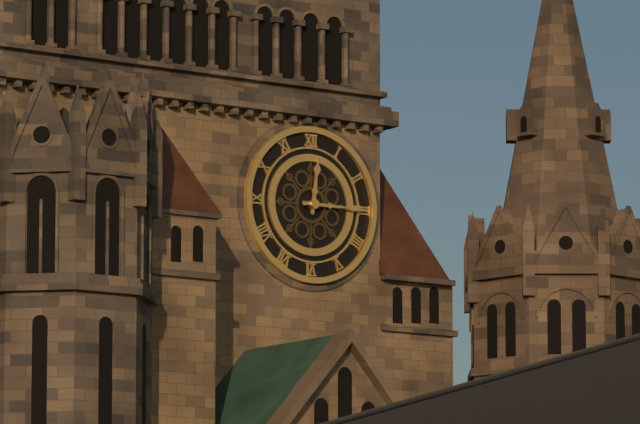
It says **12:15**
